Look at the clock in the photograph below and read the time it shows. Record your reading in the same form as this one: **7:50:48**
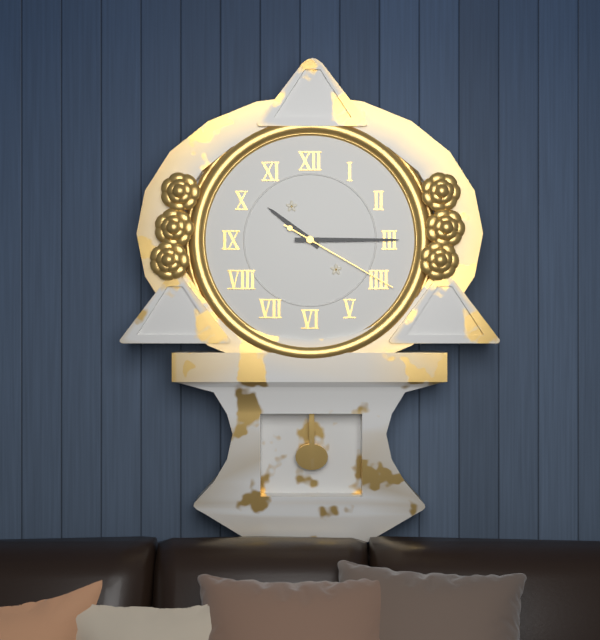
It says **10:15:20**
